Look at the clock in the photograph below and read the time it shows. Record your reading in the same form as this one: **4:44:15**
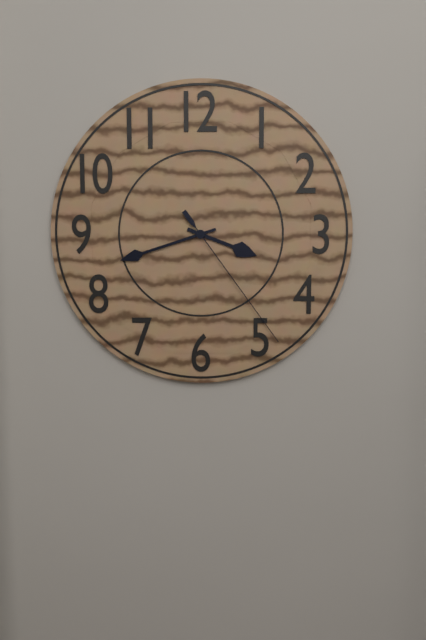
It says **3:42:24**
